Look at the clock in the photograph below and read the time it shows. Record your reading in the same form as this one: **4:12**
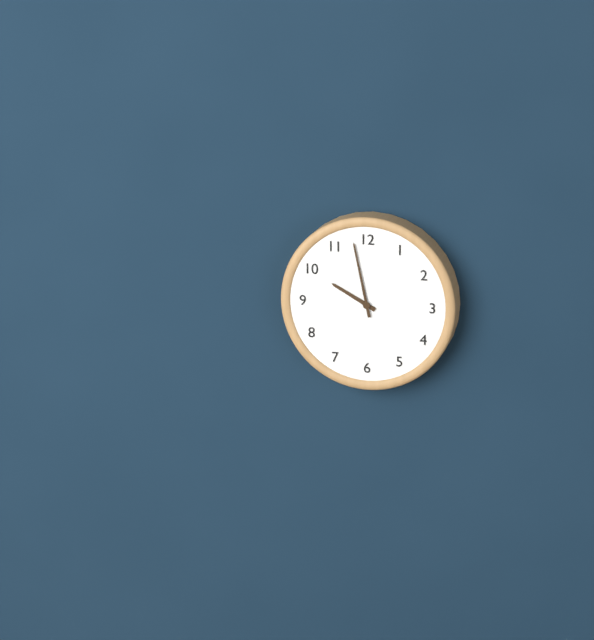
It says **9:58**
